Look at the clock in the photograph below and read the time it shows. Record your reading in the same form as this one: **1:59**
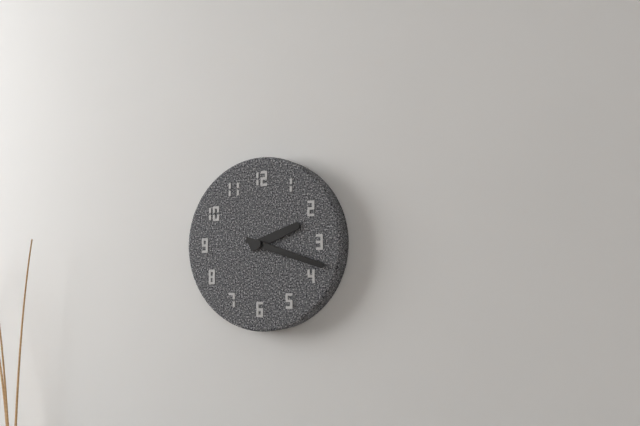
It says **2:18**
